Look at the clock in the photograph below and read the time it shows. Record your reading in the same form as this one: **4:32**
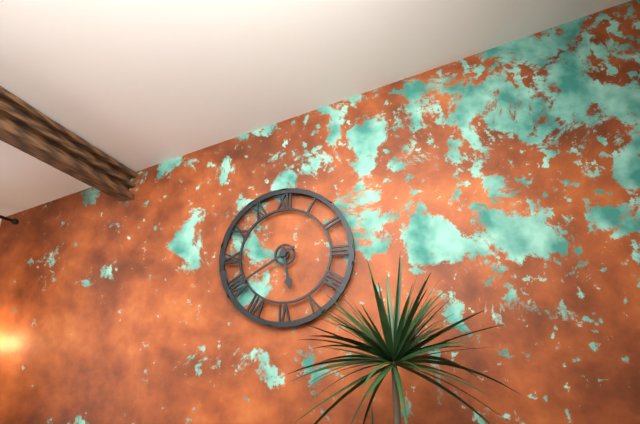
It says **5:40**
